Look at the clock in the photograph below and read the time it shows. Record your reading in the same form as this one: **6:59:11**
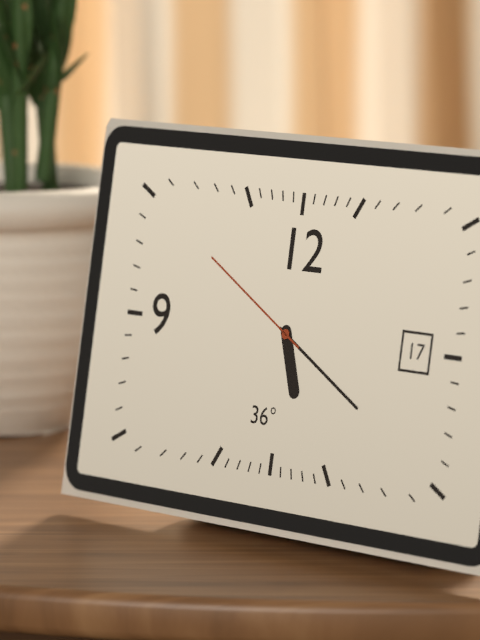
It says **5:20:50**
